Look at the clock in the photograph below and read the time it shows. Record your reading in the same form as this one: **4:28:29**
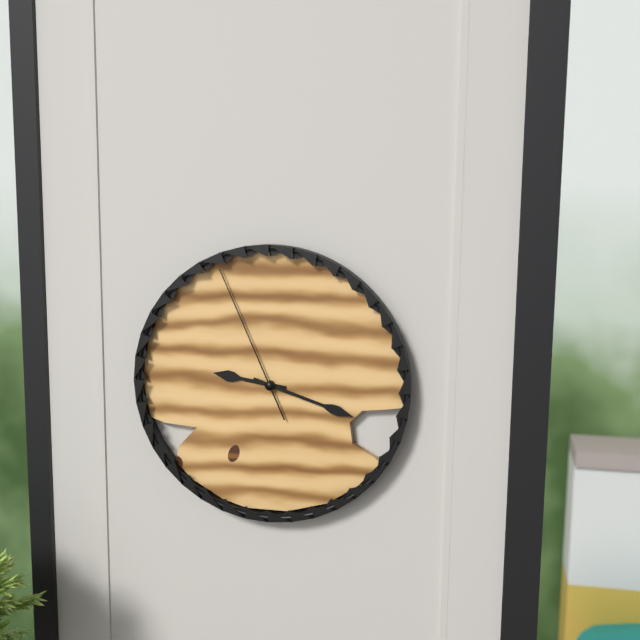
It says **9:18:56**
